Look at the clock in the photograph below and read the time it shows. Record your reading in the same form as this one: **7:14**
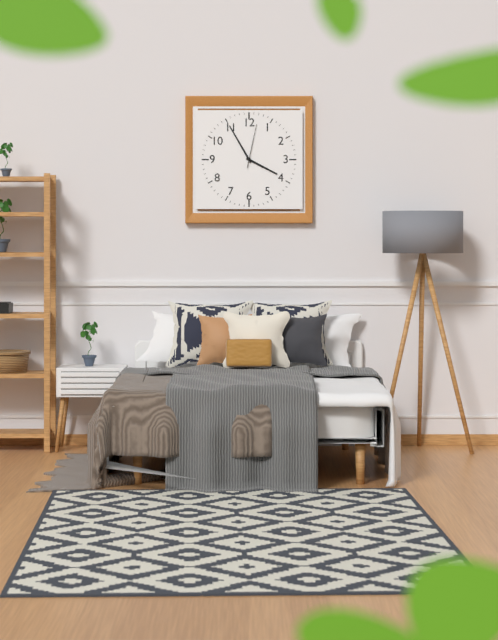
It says **3:55**
